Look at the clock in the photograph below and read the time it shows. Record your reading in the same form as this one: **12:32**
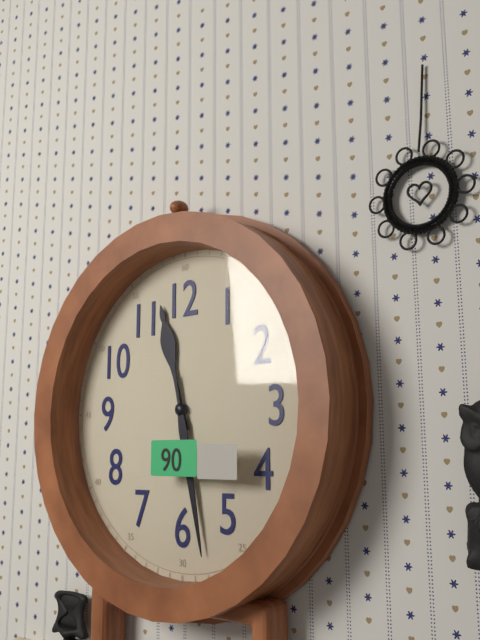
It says **11:28**
